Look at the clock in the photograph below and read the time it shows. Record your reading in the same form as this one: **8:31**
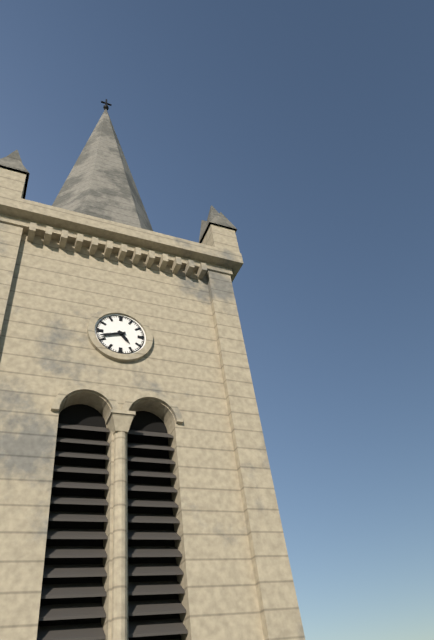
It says **4:42**
